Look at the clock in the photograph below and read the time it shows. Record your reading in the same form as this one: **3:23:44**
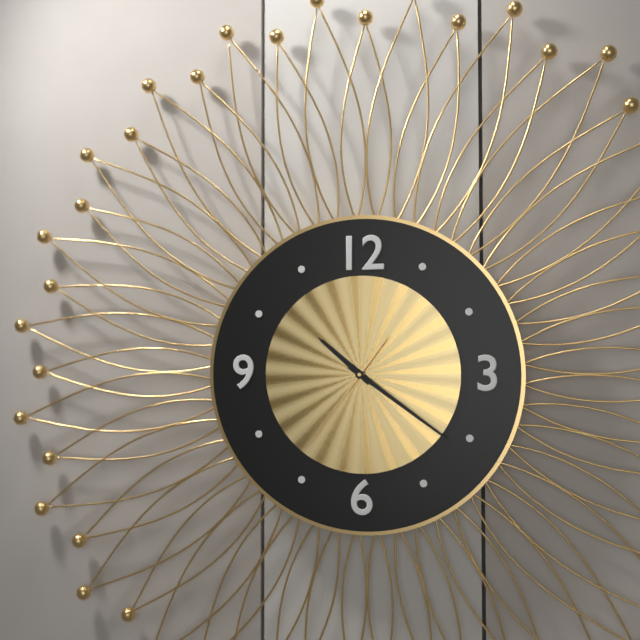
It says **10:21:36**
